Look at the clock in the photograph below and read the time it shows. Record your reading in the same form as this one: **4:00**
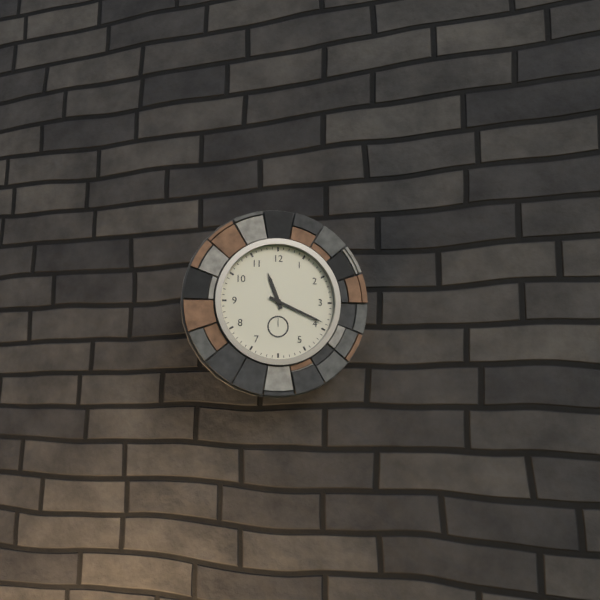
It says **11:19**
